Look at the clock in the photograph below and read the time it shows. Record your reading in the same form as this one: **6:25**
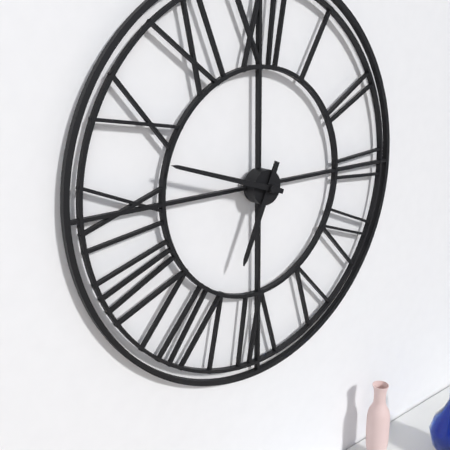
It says **6:48**
